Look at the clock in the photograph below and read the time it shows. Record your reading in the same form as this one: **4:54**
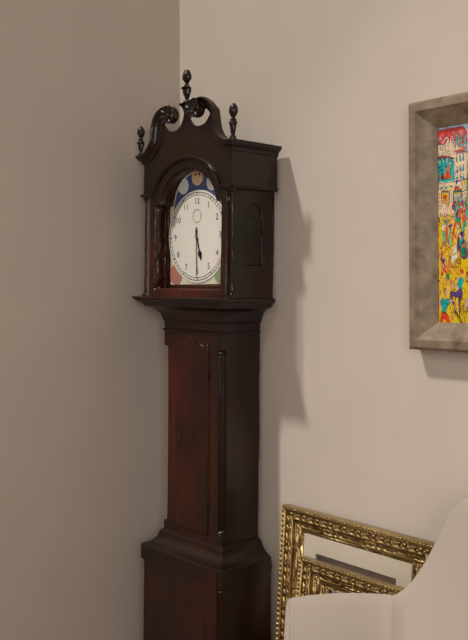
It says **5:30**
